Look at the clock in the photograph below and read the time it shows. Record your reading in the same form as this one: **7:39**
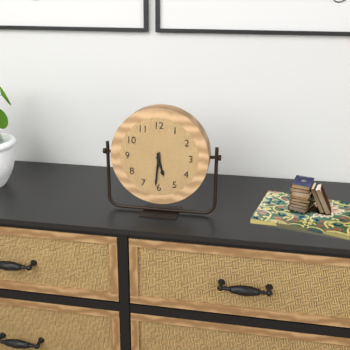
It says **5:31**
